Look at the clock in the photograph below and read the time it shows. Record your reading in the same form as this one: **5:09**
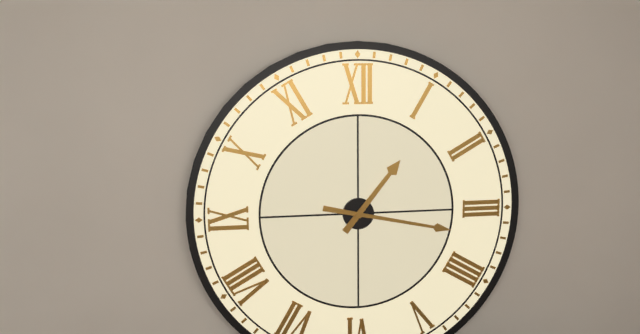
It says **1:17**
